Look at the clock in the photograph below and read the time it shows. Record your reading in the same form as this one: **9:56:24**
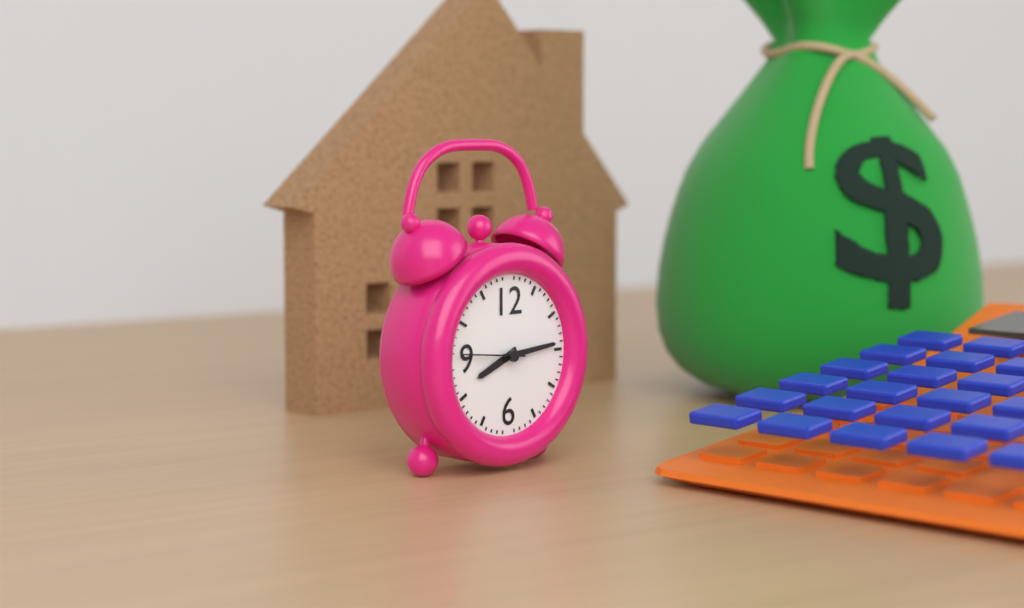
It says **8:14:46**
